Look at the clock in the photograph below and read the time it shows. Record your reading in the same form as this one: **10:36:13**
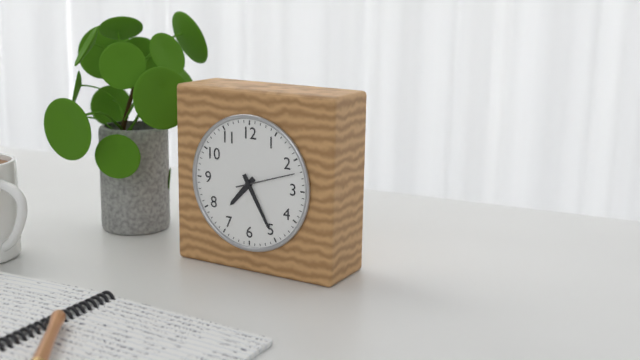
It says **7:25:12**
